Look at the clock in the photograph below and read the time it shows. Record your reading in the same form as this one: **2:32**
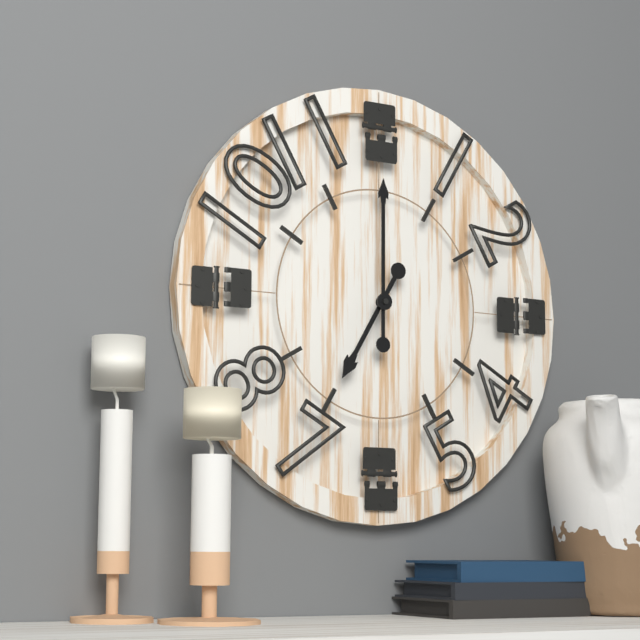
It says **7:00**
